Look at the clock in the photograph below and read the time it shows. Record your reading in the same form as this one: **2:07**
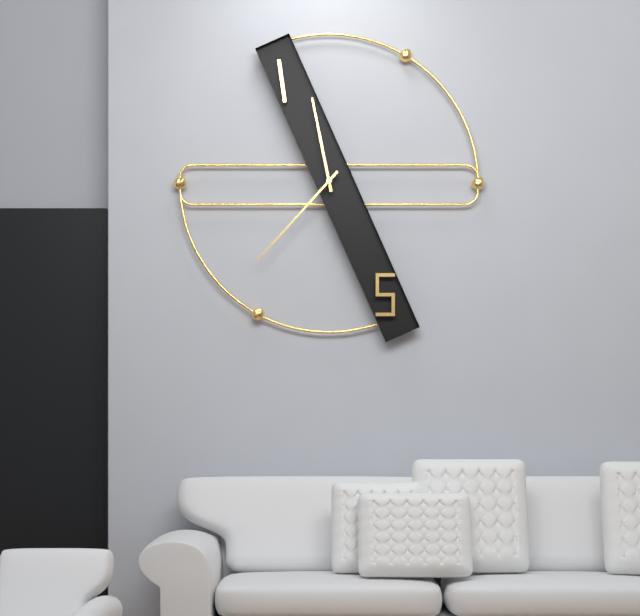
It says **11:37**
